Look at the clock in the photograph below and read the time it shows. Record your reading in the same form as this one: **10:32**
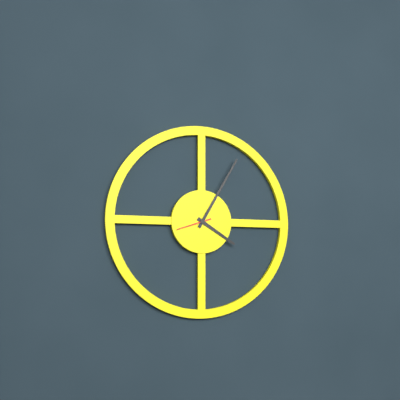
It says **4:05**
